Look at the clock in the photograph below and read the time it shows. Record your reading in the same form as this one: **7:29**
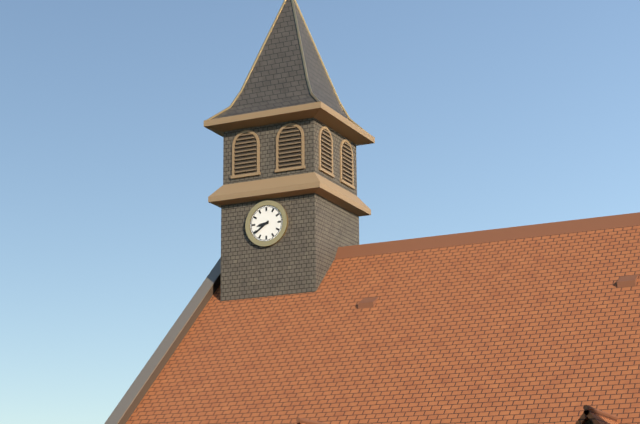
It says **8:39**
